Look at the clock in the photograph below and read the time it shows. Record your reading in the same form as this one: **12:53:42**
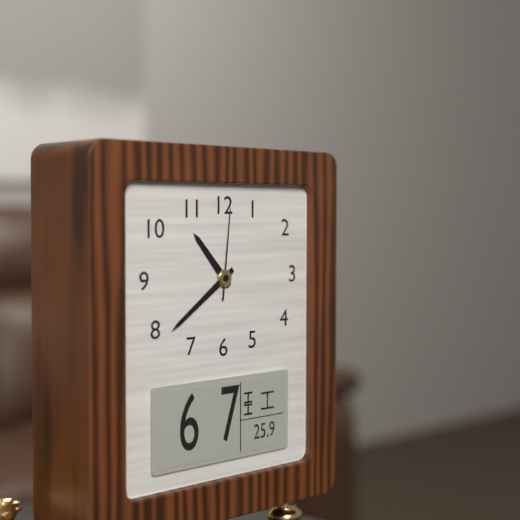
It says **10:39:01**
